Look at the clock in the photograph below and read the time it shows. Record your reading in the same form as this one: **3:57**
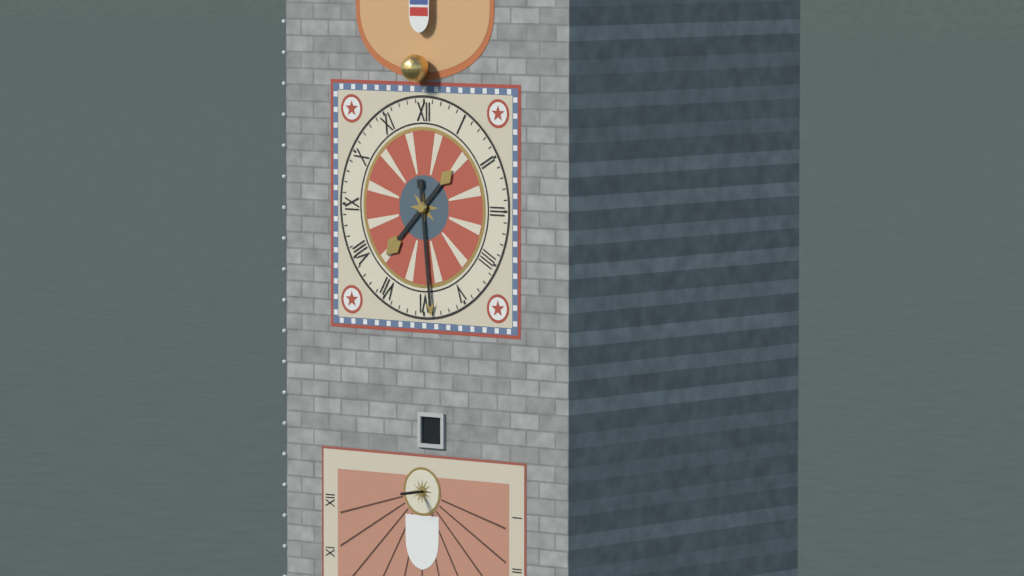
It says **7:29**
